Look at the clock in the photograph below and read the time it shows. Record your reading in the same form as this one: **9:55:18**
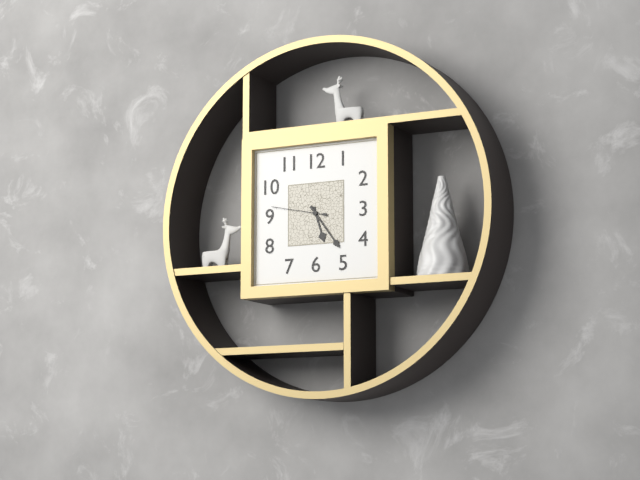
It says **5:24:47**
